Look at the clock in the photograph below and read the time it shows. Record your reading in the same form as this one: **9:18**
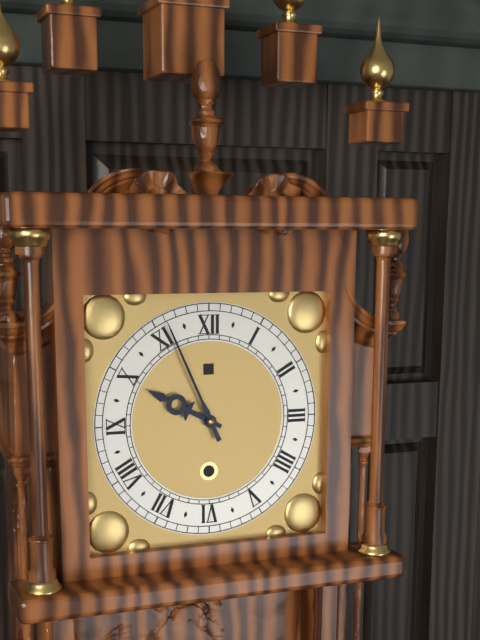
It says **9:56**
